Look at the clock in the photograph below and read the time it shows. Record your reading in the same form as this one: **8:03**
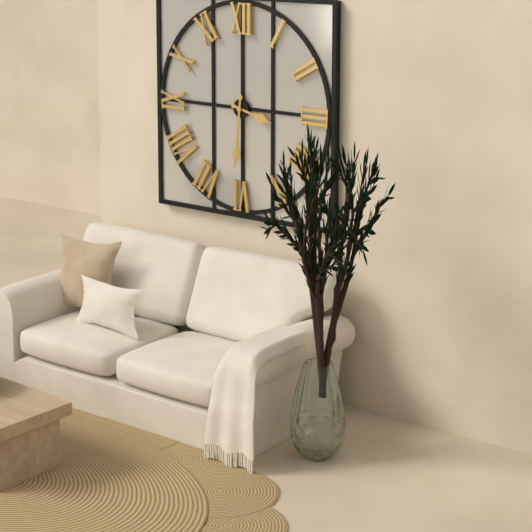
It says **3:31**
